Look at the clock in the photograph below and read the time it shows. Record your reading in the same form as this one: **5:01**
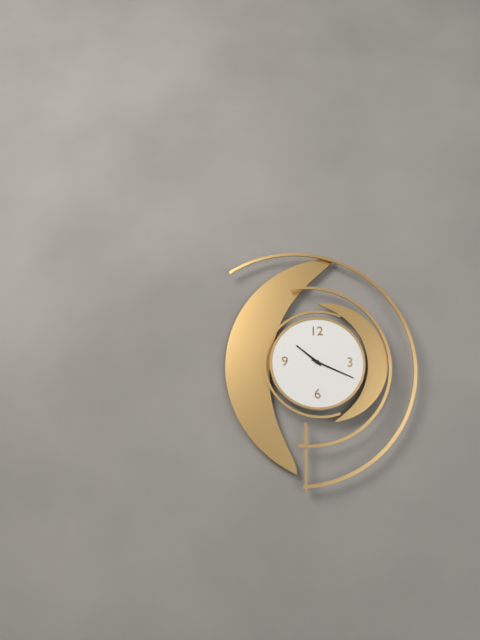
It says **10:19**
